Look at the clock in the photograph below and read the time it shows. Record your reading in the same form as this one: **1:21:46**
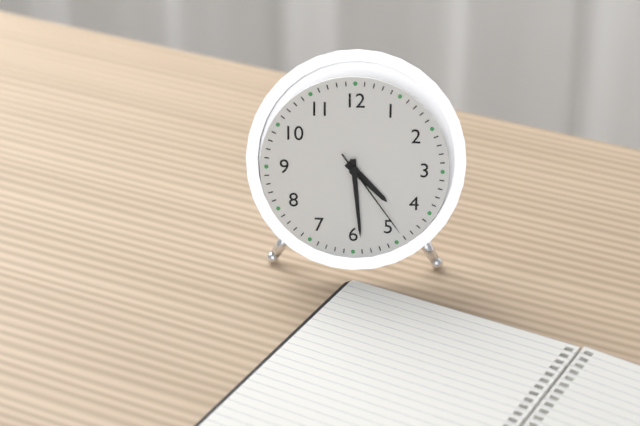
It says **4:29:24**
